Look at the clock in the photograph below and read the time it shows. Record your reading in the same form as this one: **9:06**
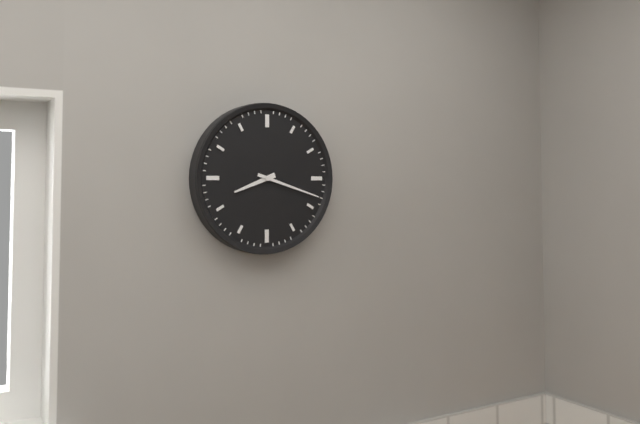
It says **8:18**
